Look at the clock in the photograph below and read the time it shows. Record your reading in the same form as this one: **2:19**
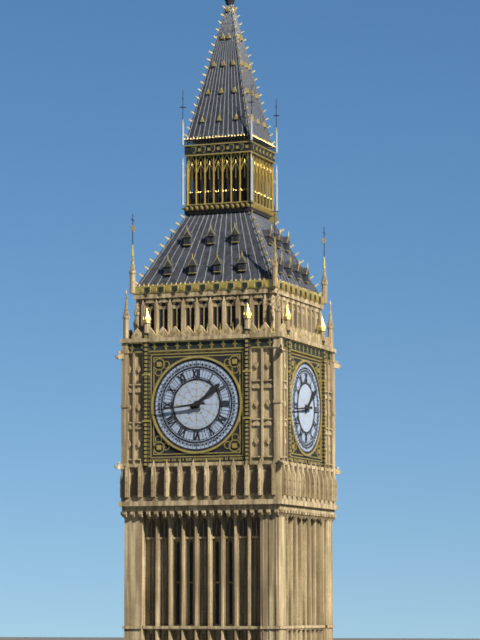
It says **1:44**
